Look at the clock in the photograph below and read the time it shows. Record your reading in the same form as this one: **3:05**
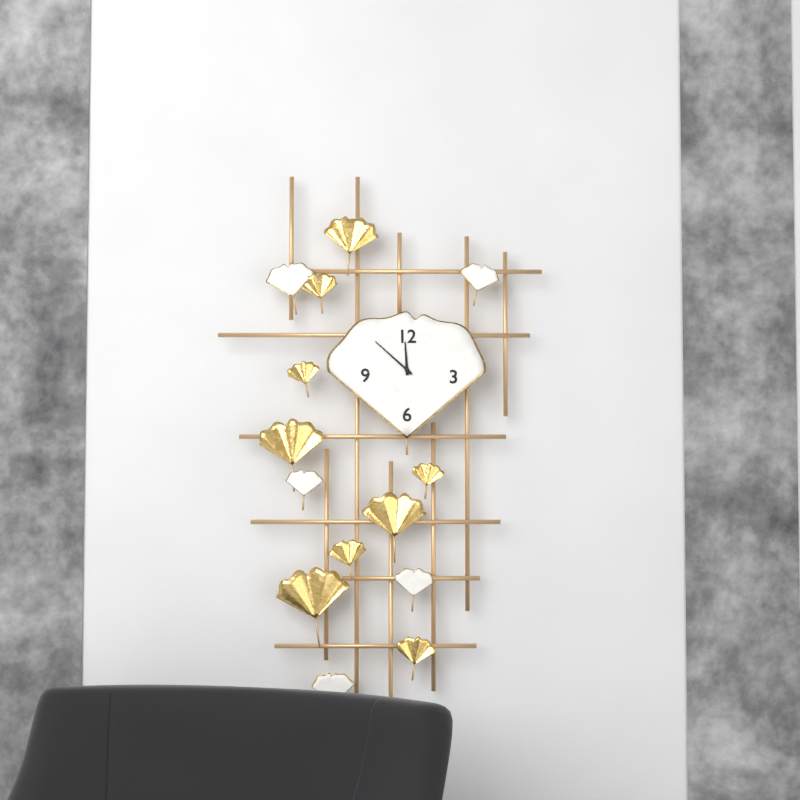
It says **11:52**
